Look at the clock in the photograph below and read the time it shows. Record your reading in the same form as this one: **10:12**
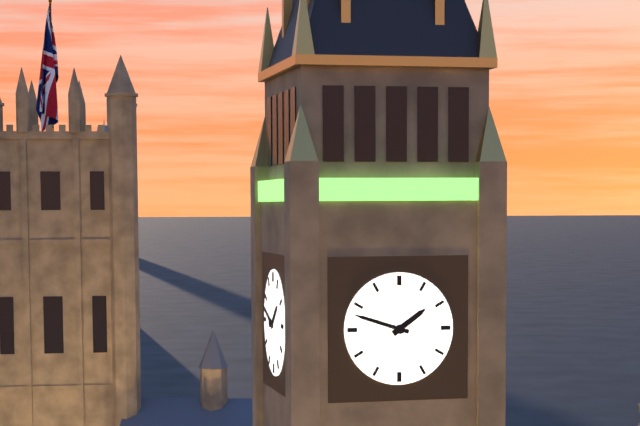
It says **1:48**
